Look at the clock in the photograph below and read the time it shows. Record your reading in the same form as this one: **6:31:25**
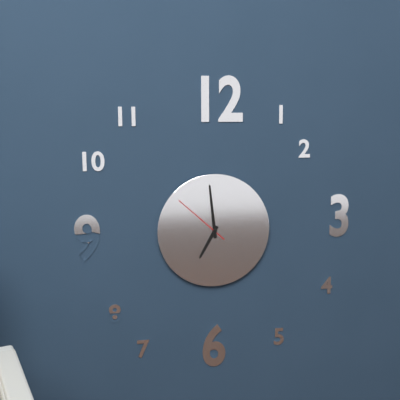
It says **6:59:52**
